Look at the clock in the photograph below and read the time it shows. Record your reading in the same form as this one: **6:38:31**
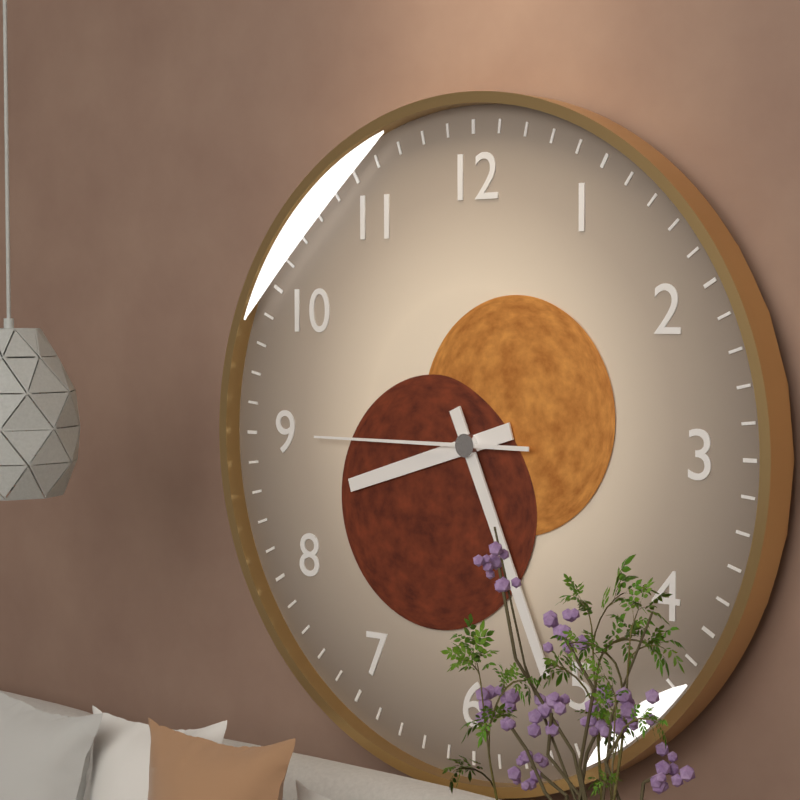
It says **8:26:45**
